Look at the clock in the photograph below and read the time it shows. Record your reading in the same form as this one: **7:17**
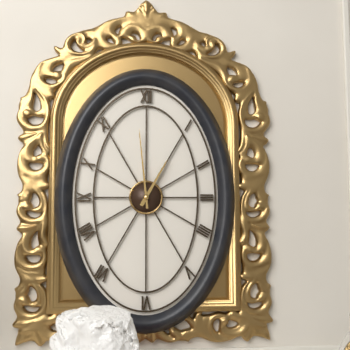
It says **12:59**
